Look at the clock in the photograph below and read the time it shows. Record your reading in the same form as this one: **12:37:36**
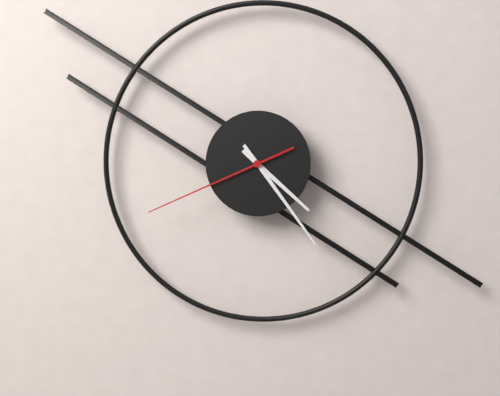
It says **4:24:41**
